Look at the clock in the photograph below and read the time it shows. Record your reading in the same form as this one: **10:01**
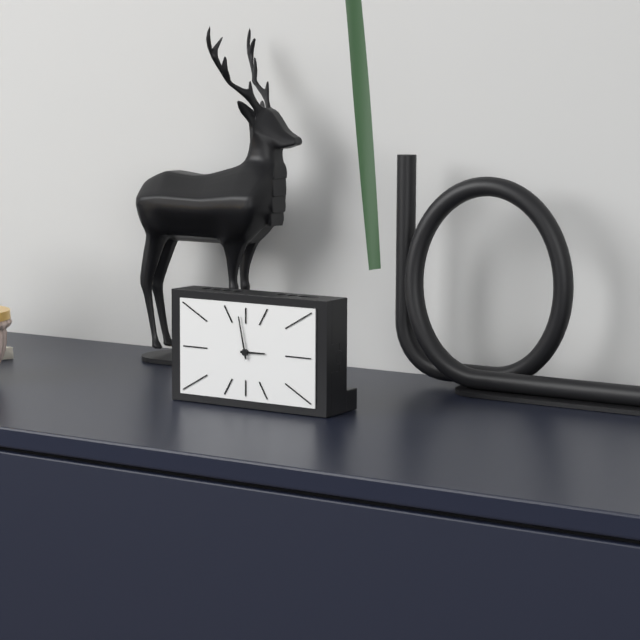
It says **2:58**
